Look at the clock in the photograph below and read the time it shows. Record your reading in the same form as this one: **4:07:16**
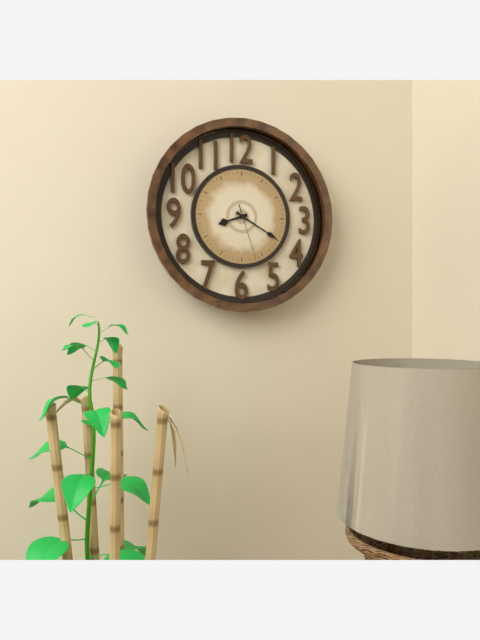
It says **8:20:27**
